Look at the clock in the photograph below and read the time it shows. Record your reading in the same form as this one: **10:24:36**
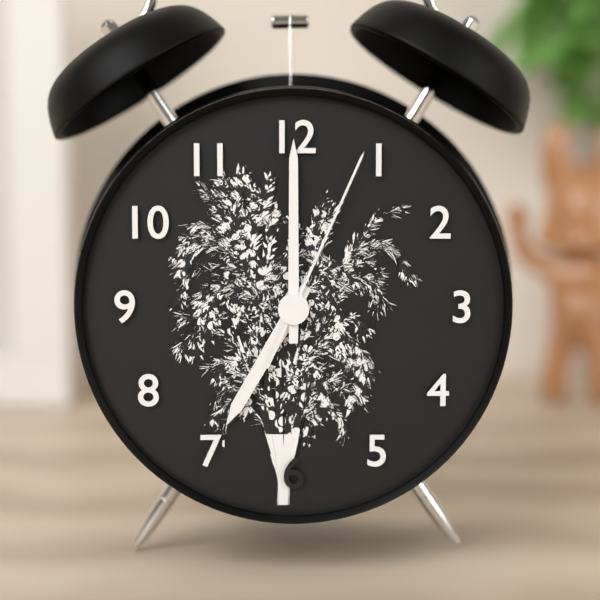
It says **7:00:04**
